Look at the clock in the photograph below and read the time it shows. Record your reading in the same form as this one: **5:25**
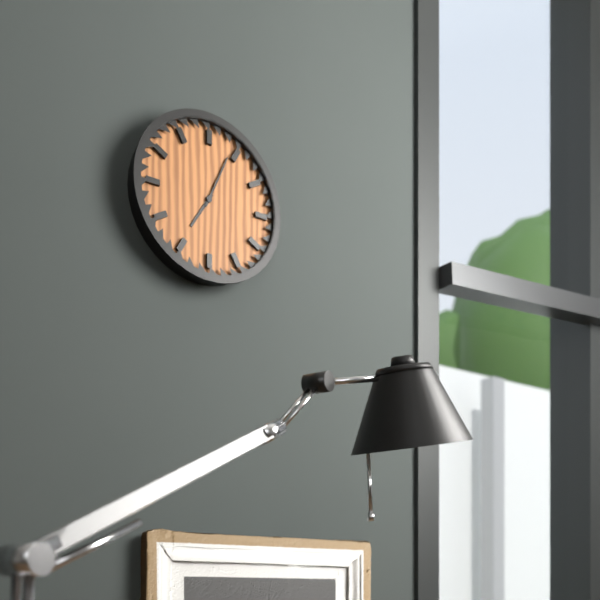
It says **7:04**
